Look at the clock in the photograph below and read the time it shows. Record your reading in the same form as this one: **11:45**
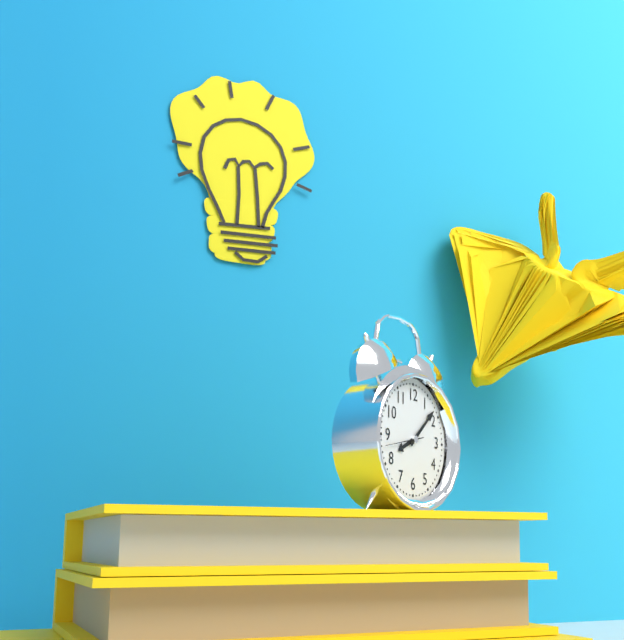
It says **8:08**
